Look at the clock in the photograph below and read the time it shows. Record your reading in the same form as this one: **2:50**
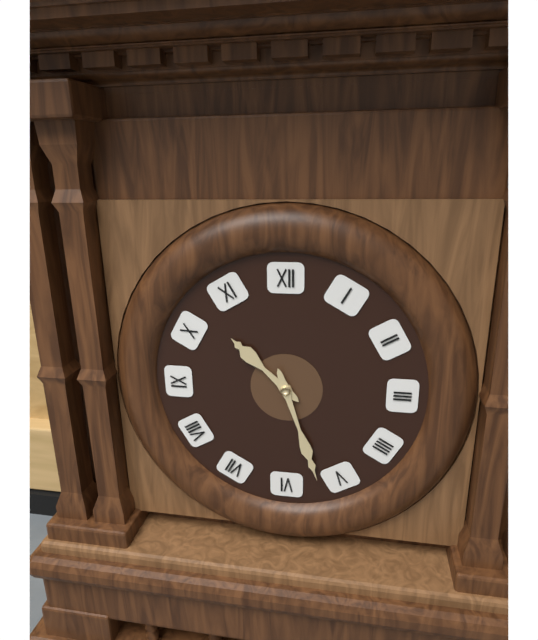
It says **10:27**
